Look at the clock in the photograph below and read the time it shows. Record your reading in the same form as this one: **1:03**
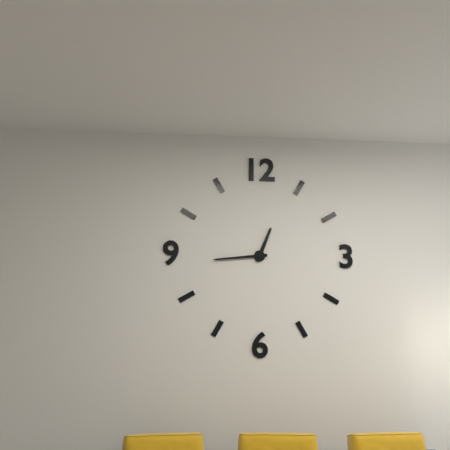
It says **12:44**
